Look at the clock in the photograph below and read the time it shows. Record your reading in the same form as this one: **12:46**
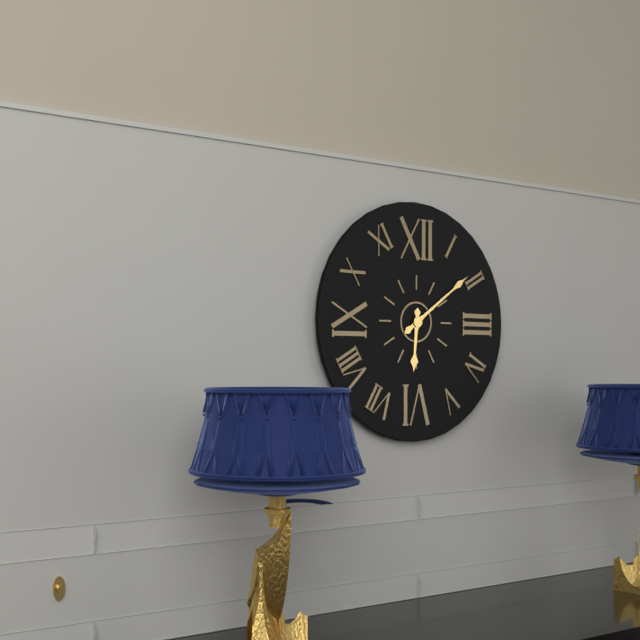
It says **6:09**
